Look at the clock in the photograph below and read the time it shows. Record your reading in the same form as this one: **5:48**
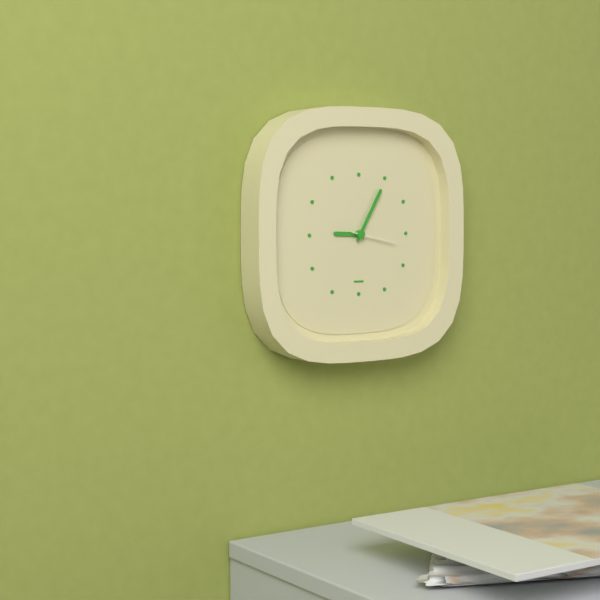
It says **9:05**
